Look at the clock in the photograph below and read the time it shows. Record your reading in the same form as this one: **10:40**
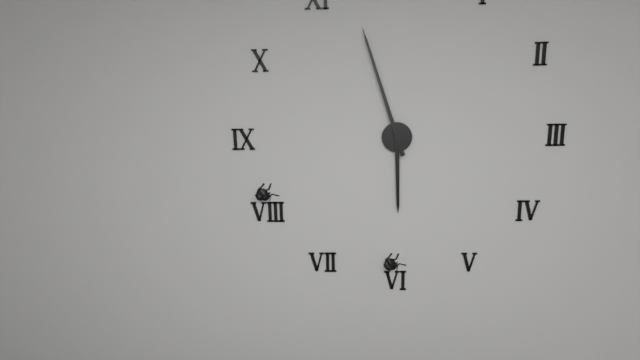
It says **5:57**
